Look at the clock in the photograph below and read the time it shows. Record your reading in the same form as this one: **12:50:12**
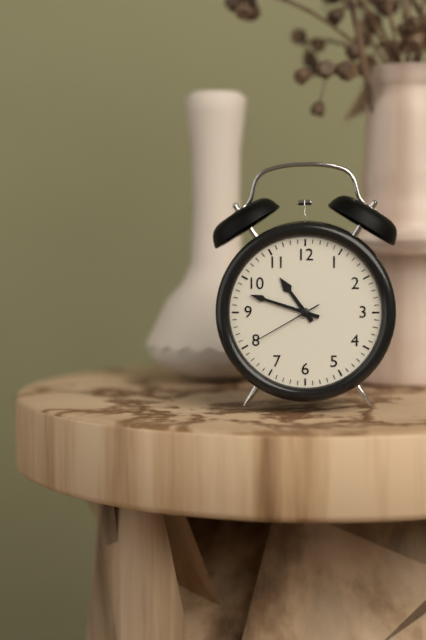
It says **10:48:40**
